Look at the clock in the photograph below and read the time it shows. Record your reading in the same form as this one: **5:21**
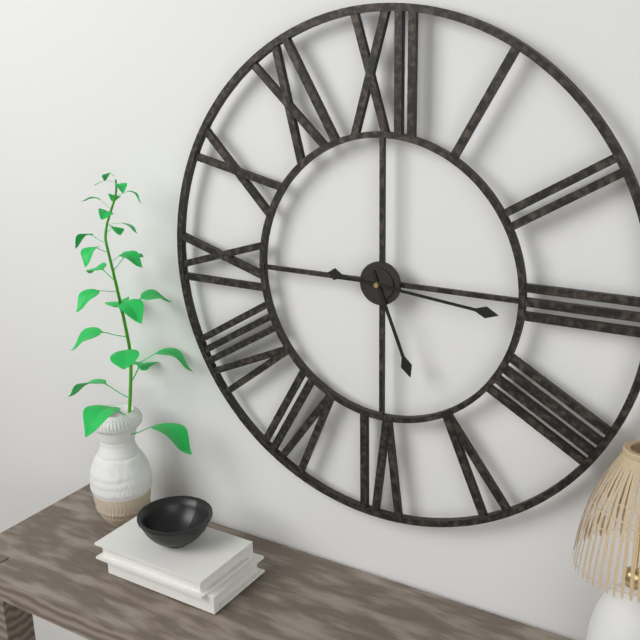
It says **5:16**
